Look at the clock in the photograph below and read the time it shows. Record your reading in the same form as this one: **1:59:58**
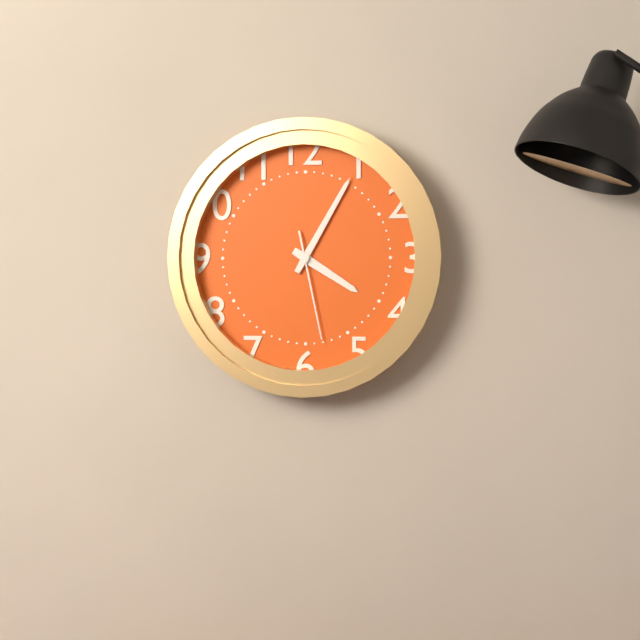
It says **4:05:28**
